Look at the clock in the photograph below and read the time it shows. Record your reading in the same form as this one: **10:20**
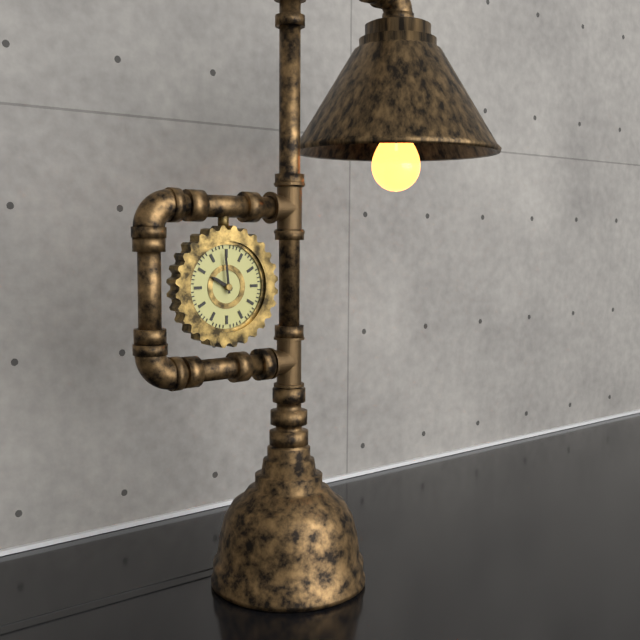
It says **9:59**
